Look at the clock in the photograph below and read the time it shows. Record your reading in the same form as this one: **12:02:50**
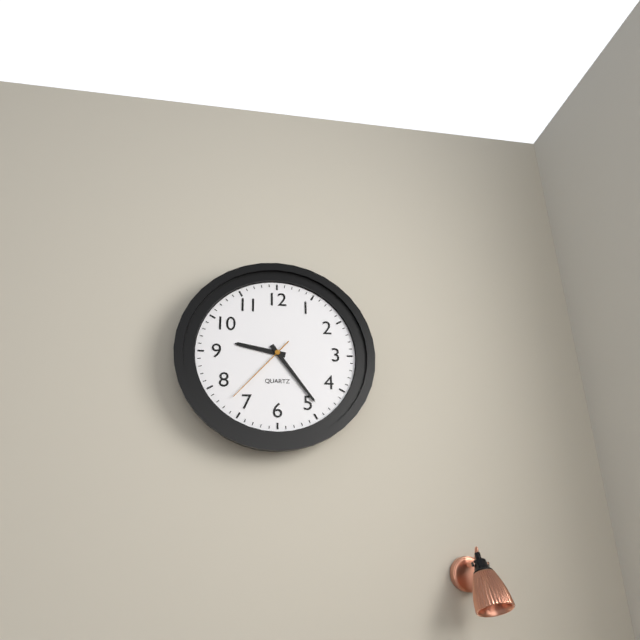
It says **9:24:37**
